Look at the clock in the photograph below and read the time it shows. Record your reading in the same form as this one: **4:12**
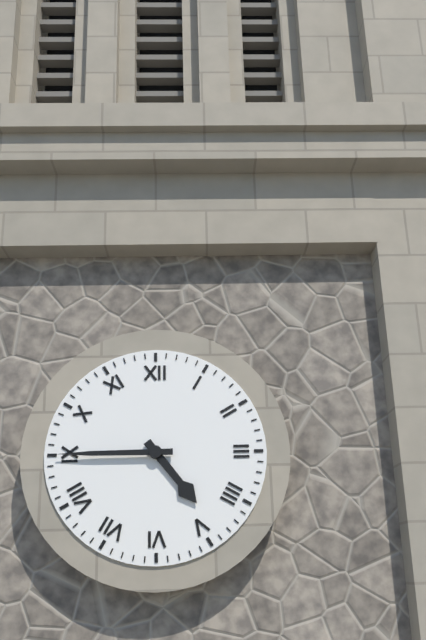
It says **4:45**
